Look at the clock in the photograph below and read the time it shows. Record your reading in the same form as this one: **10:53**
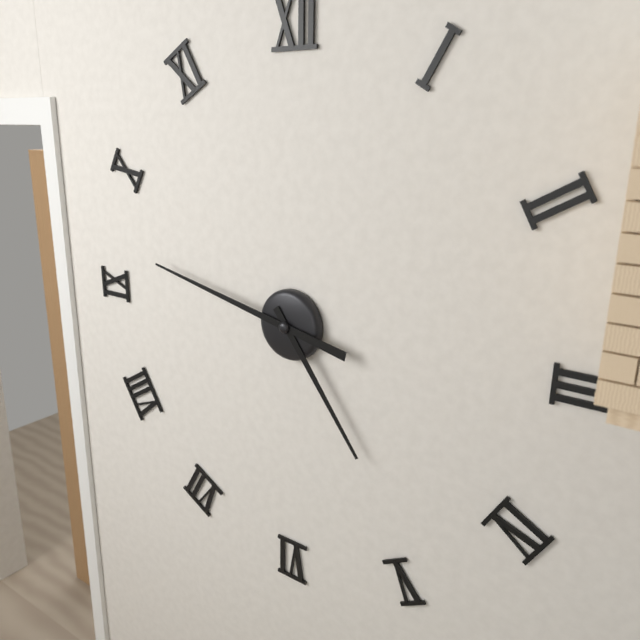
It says **4:47**
